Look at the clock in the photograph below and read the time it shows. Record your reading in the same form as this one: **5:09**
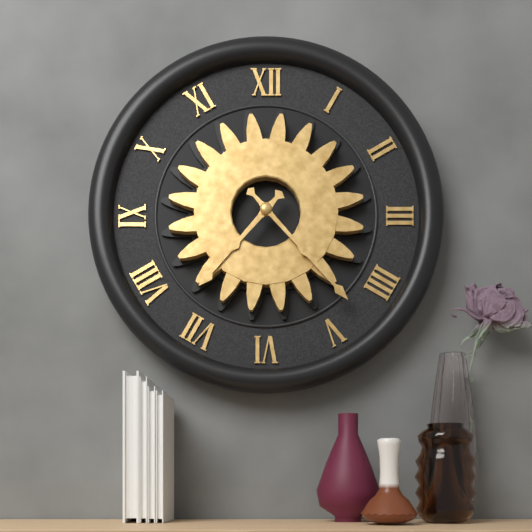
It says **7:23**
